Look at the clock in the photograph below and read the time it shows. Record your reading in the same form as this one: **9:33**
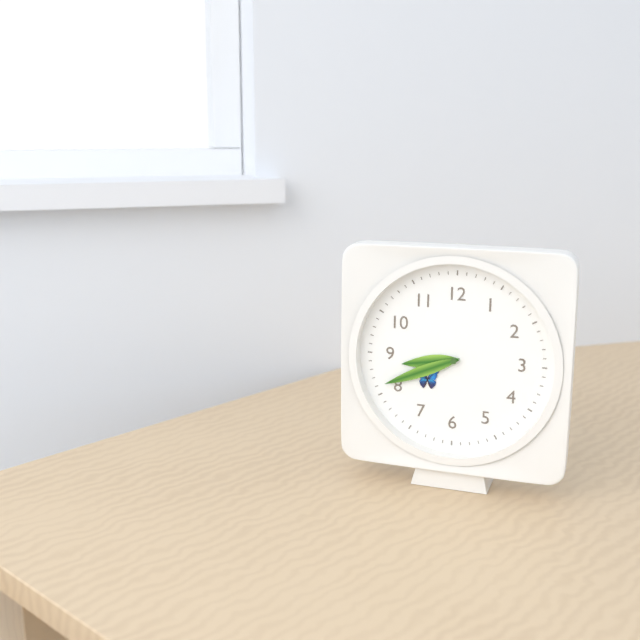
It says **8:41**
